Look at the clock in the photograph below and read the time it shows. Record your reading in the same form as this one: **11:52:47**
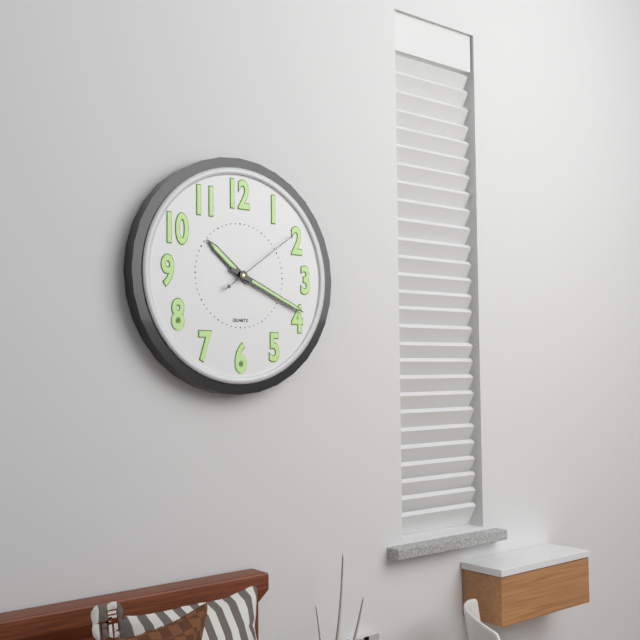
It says **10:19:09**
